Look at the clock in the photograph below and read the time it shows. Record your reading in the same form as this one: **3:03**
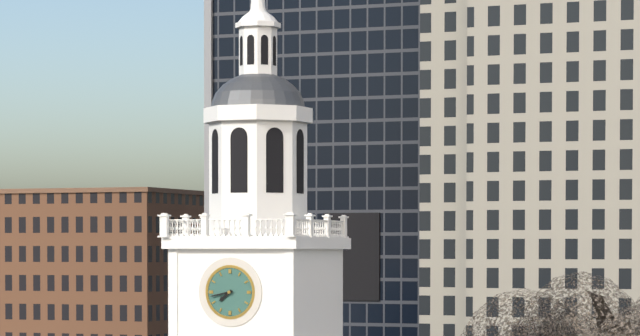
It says **7:43**
